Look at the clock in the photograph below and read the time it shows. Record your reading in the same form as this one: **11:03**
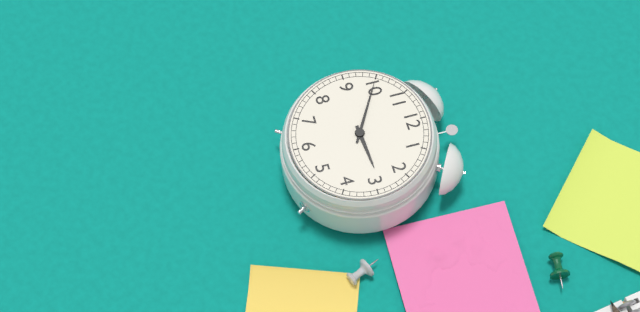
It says **2:50**
